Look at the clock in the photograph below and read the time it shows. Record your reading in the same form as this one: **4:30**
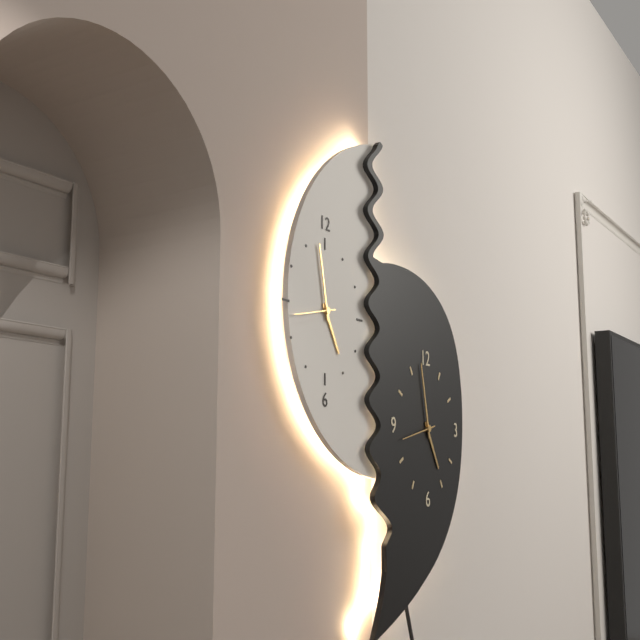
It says **4:58**
